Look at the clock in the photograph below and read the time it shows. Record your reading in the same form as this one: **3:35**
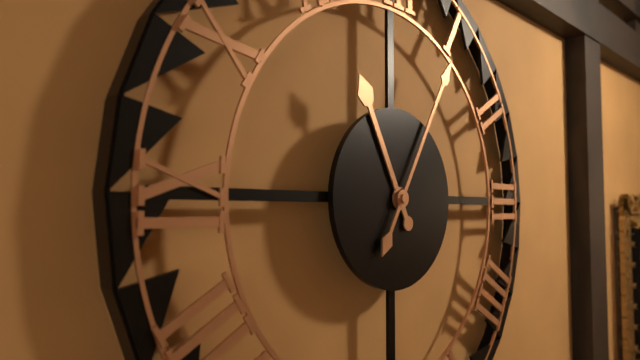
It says **11:05**
